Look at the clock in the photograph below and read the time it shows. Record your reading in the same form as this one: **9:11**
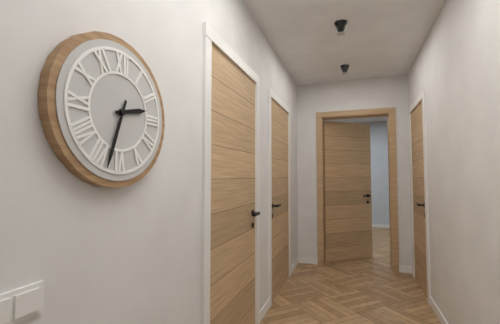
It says **2:33**
